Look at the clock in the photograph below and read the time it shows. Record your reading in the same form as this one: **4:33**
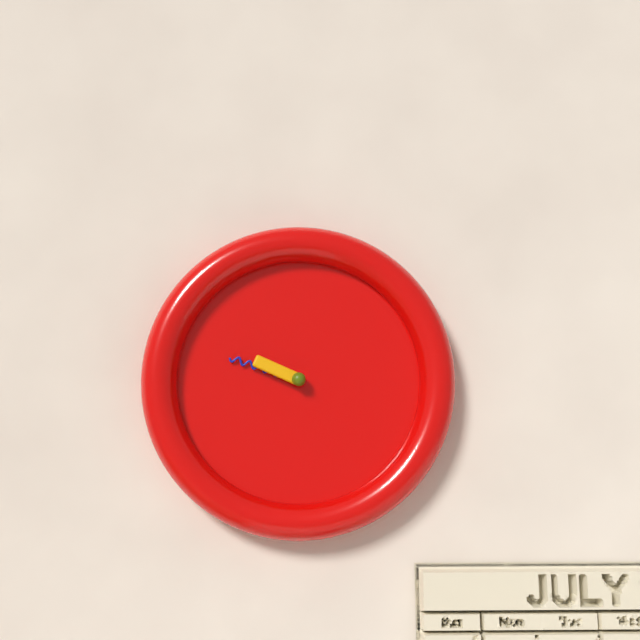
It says **9:48**
